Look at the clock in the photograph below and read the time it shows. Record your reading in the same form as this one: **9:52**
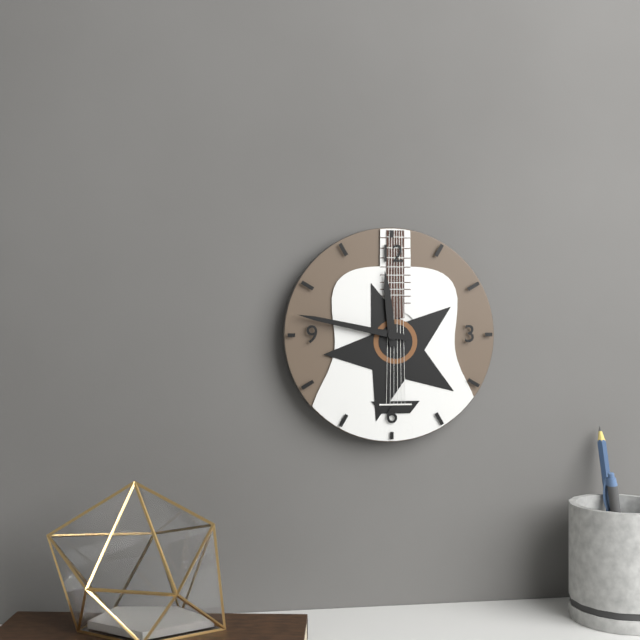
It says **11:47**
